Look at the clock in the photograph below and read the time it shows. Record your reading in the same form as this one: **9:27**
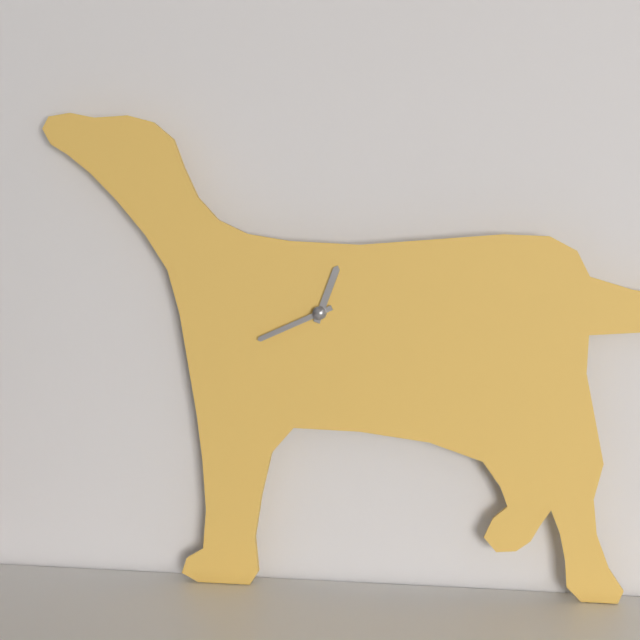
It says **12:41**
